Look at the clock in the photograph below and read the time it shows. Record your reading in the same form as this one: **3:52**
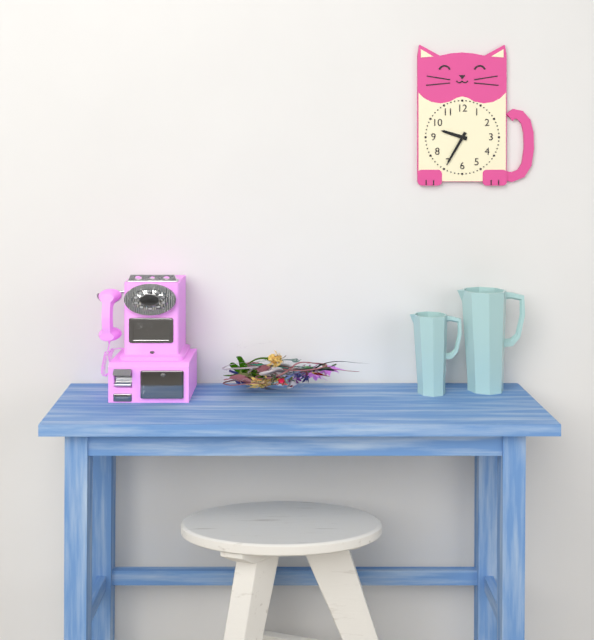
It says **9:35**
